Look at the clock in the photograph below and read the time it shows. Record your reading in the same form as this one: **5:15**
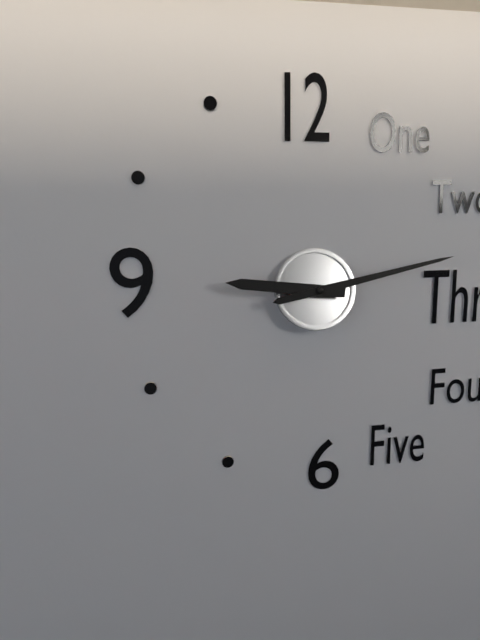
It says **9:13**
